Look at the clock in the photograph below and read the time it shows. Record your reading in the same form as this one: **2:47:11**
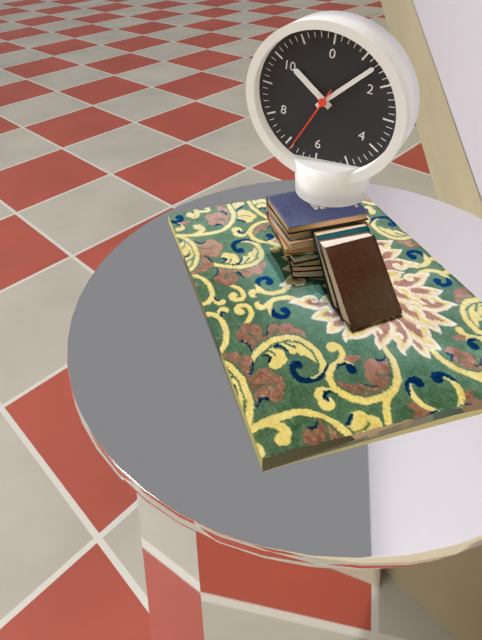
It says **10:07:34**
